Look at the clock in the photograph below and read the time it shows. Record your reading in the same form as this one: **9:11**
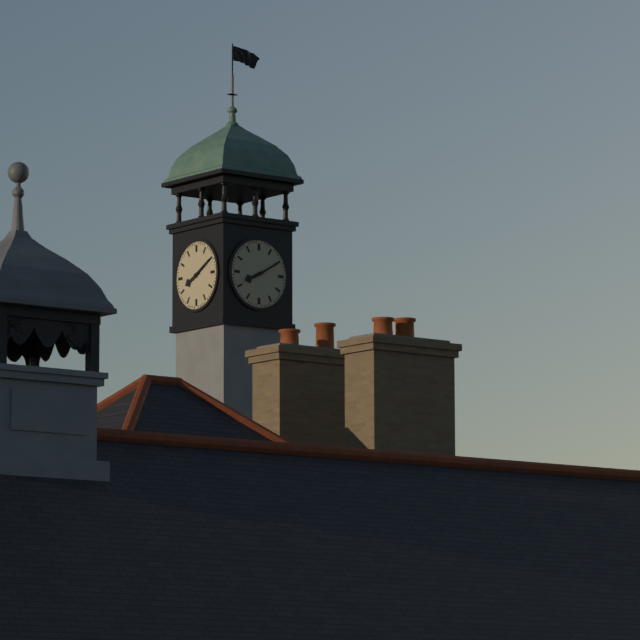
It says **8:10**
